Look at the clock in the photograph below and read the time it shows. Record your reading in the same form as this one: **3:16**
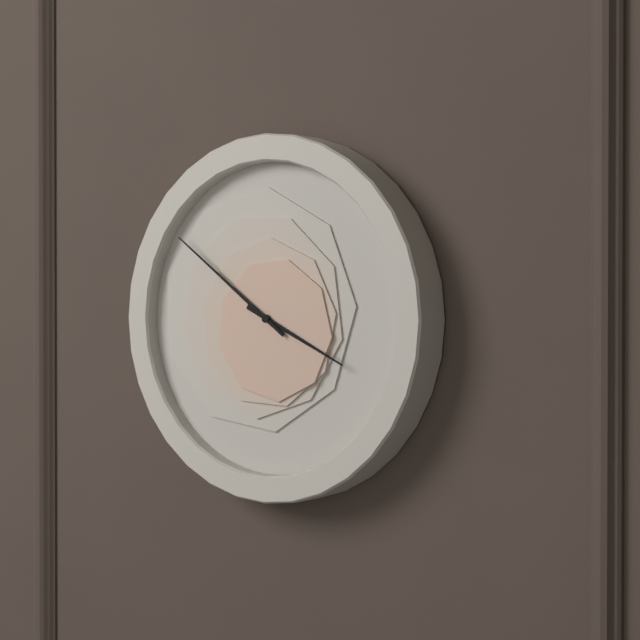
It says **3:51**
